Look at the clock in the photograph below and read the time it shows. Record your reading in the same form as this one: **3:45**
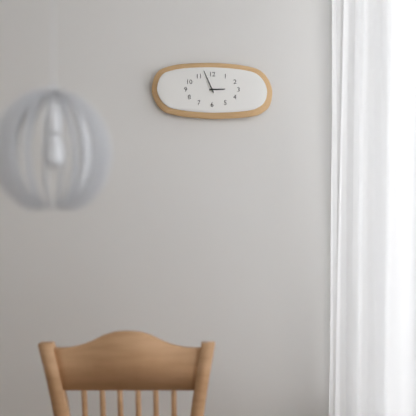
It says **2:56**
